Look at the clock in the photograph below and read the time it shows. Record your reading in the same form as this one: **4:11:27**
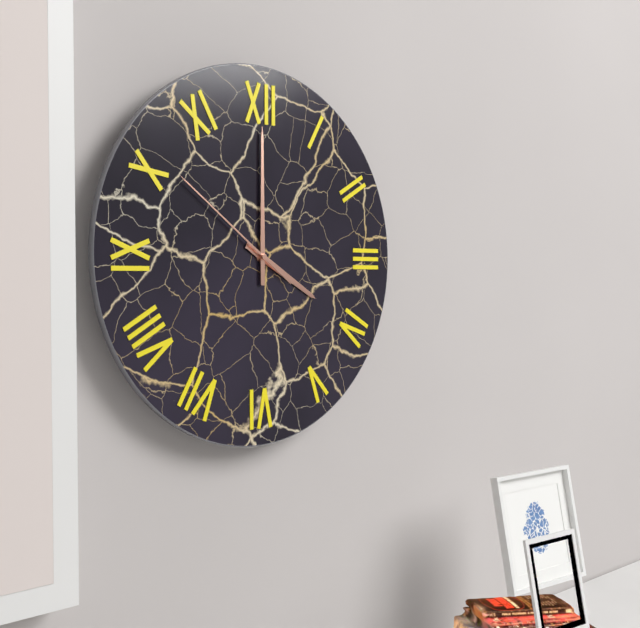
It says **4:00:51**
